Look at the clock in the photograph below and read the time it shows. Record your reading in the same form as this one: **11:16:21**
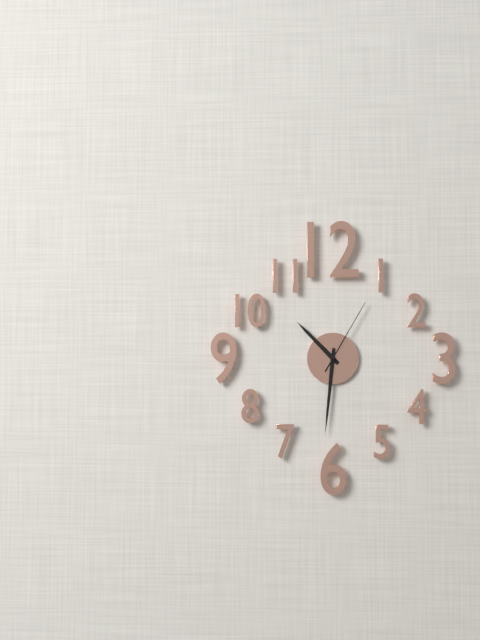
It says **10:31:05**
